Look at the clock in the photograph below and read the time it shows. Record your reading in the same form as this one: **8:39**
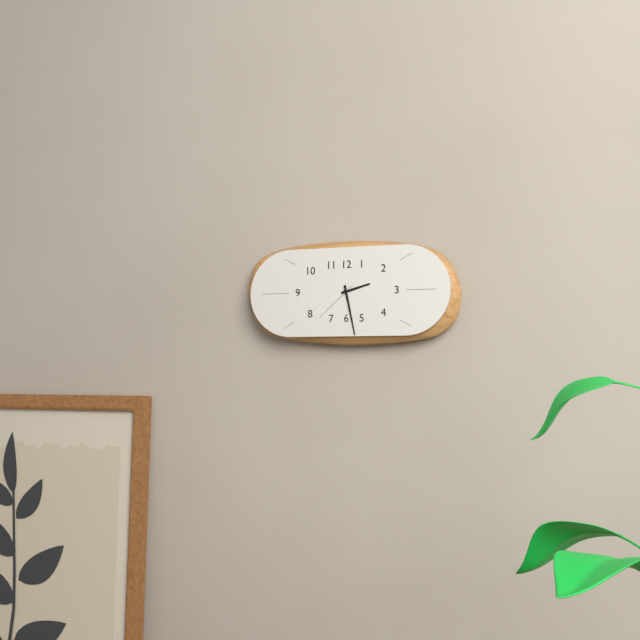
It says **2:28**
